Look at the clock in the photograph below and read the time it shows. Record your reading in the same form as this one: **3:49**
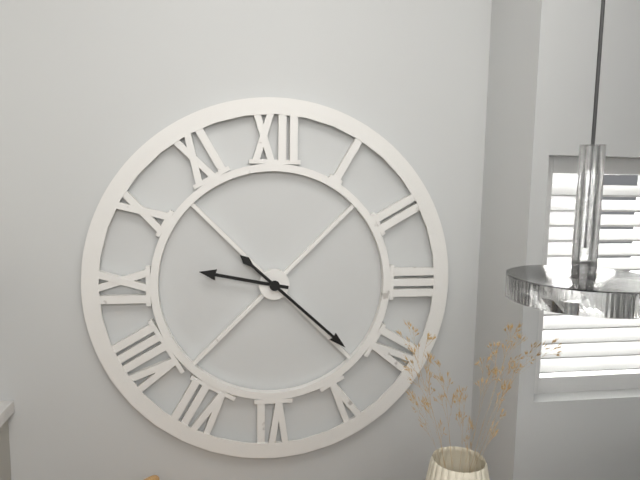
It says **9:22**
